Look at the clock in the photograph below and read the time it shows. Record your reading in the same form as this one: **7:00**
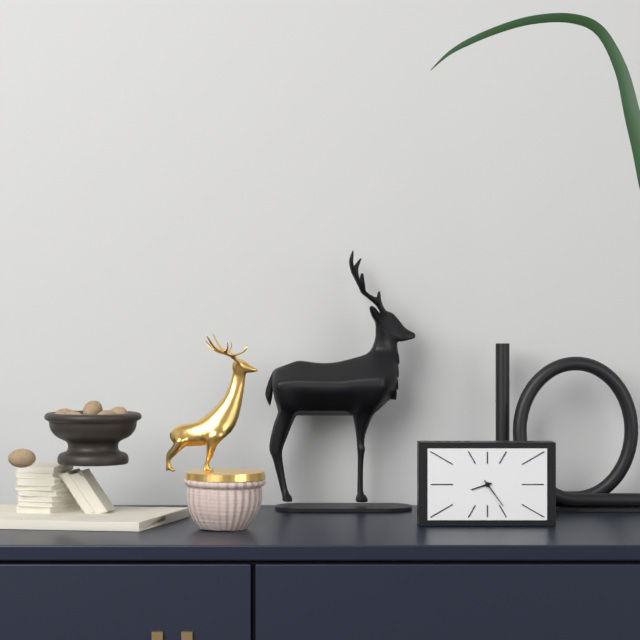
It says **8:24**
